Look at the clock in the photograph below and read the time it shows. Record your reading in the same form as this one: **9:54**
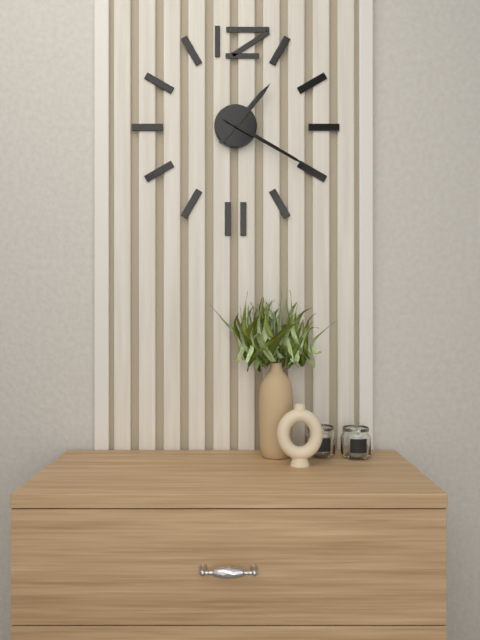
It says **1:20**
